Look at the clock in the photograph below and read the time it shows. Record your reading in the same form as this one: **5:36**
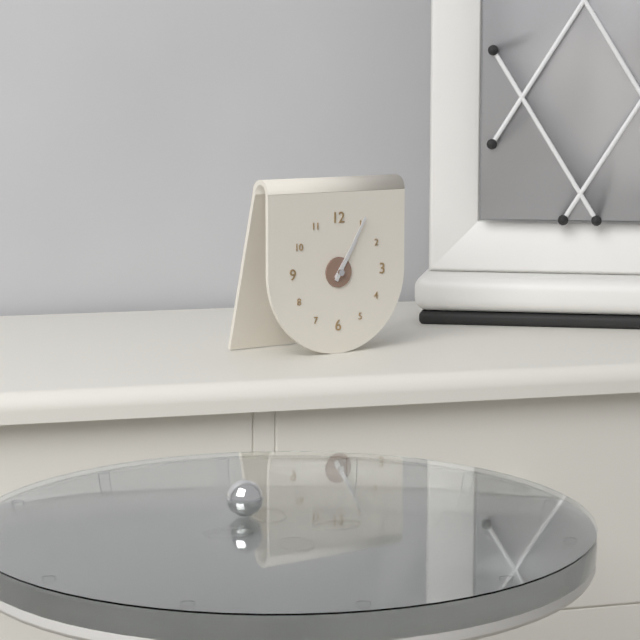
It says **1:05**
